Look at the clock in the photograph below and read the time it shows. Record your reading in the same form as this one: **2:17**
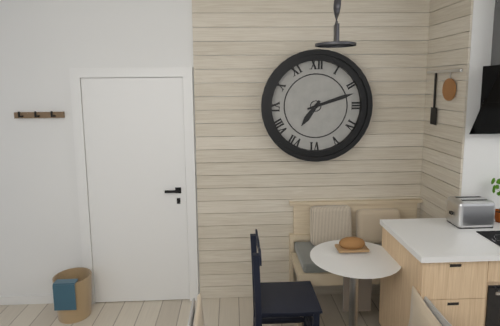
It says **7:12**
